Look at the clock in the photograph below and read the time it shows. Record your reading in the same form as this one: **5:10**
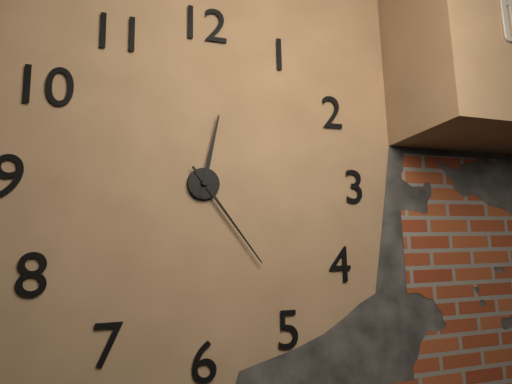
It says **12:24**
